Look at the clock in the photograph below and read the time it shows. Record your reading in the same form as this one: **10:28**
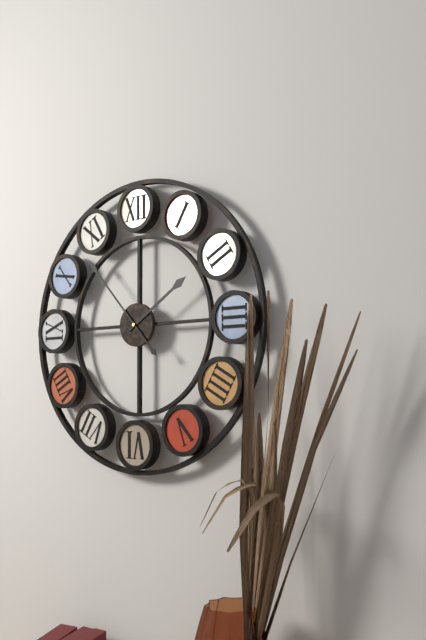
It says **1:53**
